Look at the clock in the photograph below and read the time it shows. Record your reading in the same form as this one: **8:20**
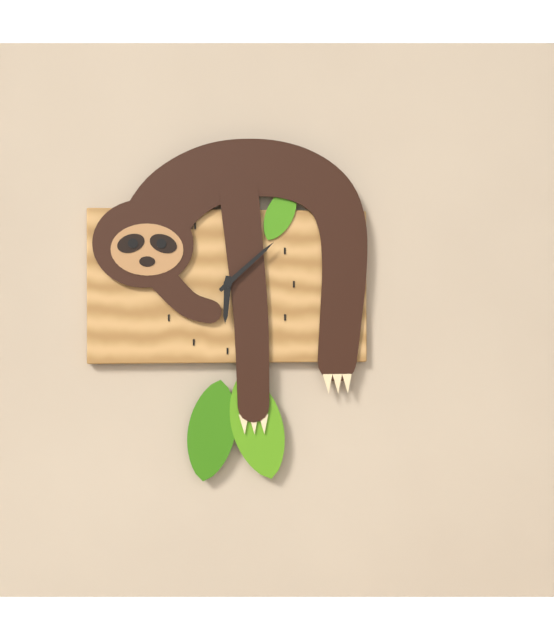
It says **6:08**
